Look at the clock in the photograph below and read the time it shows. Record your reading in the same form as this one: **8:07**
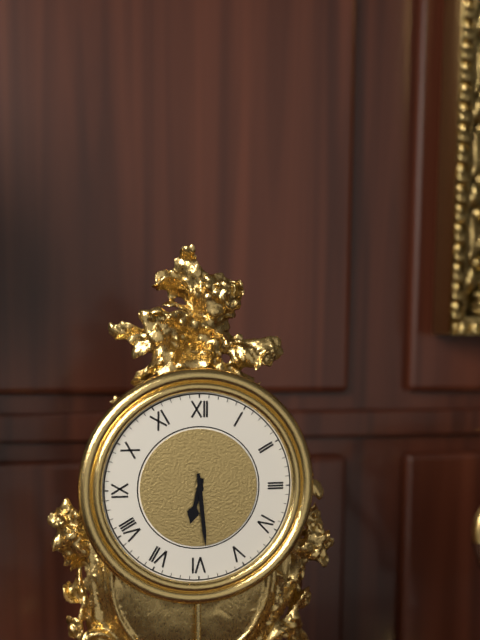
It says **6:29**
